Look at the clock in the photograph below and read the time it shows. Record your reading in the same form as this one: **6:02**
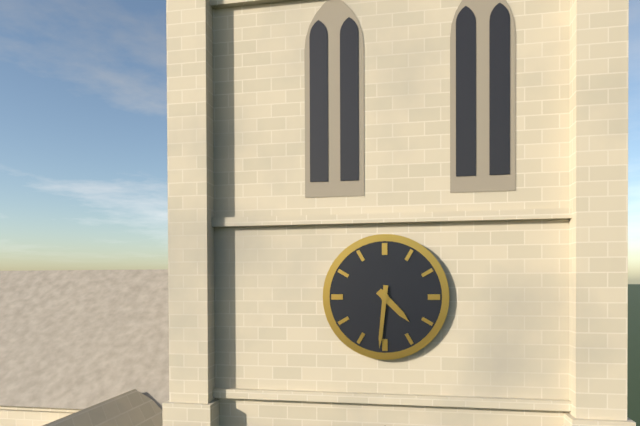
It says **4:31**
